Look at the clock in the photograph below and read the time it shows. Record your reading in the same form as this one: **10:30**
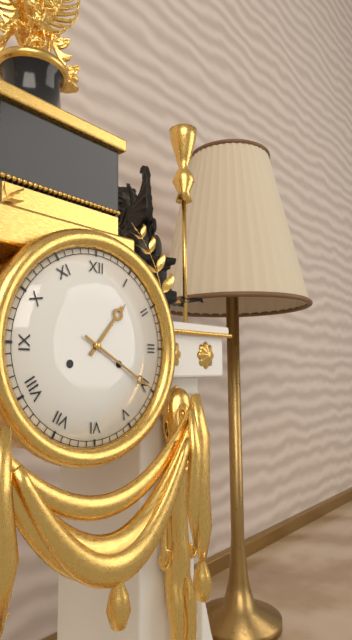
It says **1:20**
